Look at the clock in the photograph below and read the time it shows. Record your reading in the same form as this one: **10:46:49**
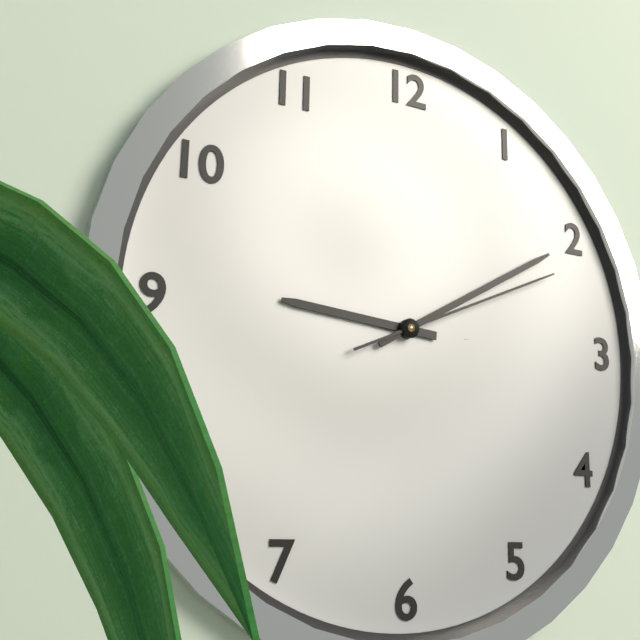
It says **9:10:11**
